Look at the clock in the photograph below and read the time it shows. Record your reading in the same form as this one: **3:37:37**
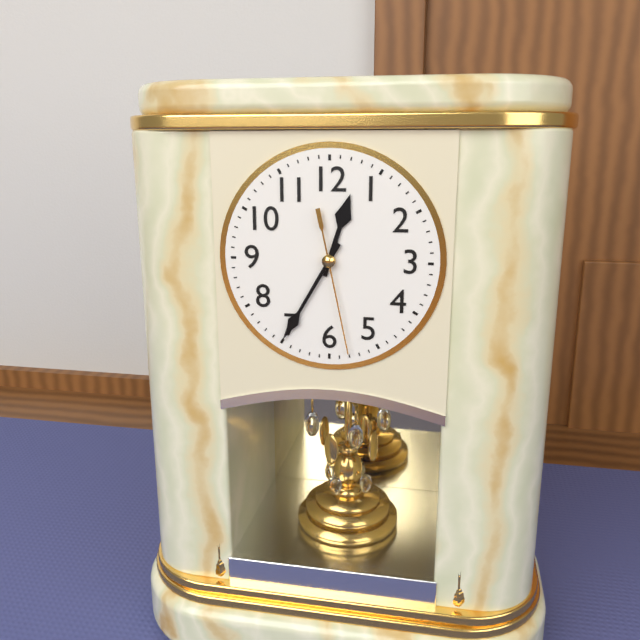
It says **12:35:28**
